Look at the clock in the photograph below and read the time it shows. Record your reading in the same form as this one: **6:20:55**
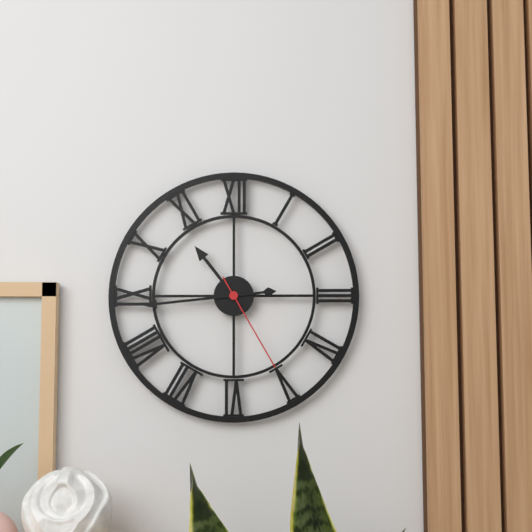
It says **10:44:25**
